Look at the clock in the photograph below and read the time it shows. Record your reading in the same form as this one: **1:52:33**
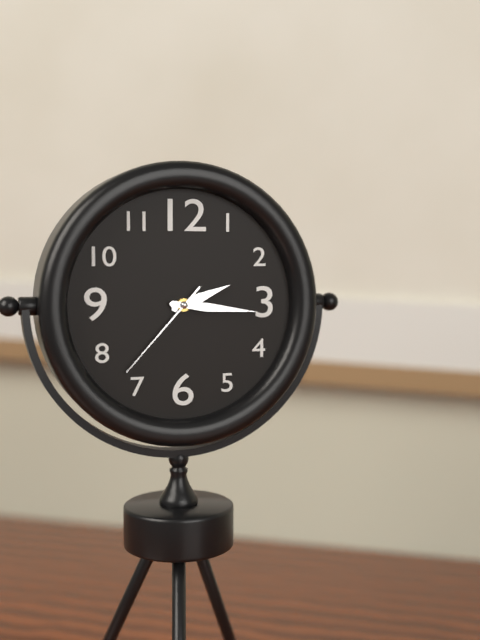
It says **2:16:37**
